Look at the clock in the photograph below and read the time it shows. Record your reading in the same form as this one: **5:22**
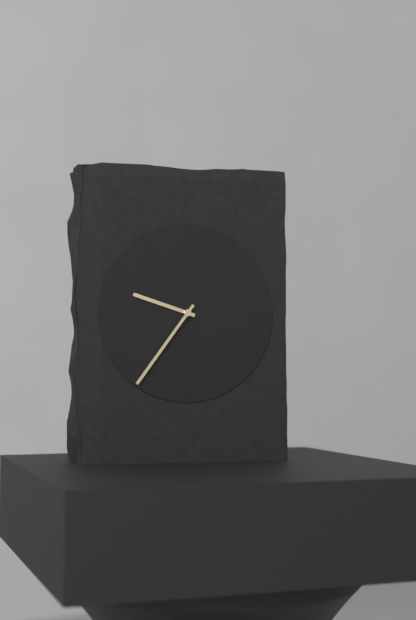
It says **9:36**
